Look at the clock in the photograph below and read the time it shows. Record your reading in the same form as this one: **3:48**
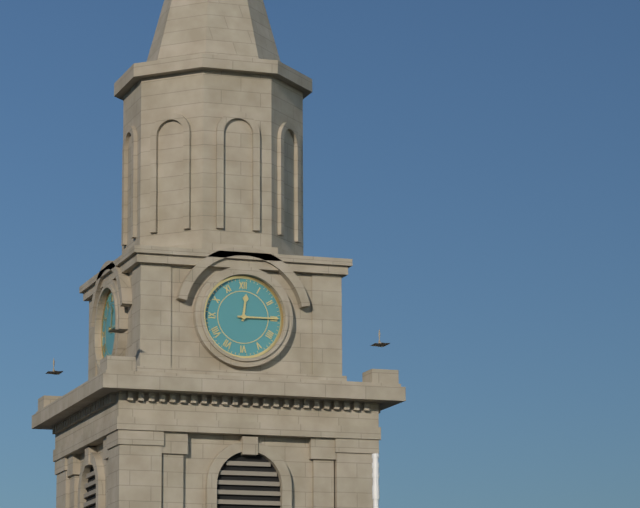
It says **12:15**
